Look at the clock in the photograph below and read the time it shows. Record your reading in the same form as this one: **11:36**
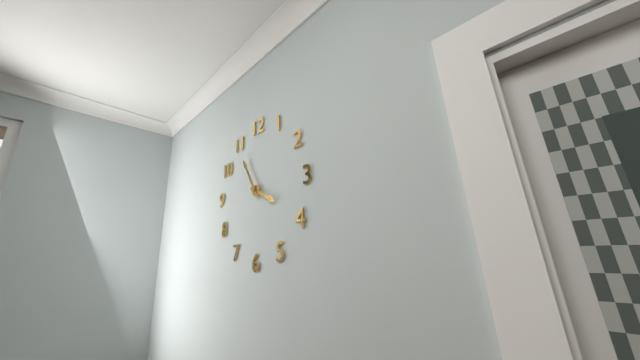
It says **3:55**
